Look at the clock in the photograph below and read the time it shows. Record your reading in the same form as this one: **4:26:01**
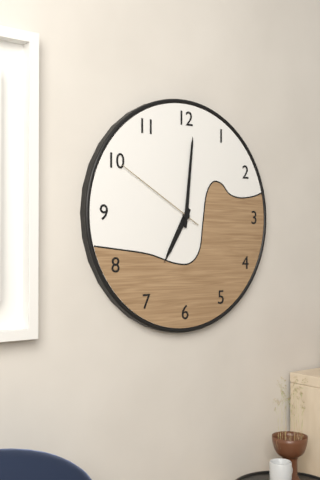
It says **7:01:50**
